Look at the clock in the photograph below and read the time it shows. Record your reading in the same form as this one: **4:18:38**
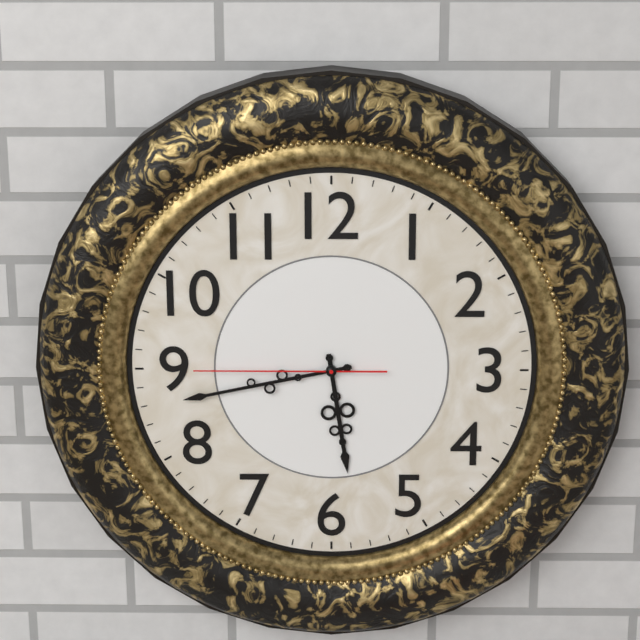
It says **5:43:45**
